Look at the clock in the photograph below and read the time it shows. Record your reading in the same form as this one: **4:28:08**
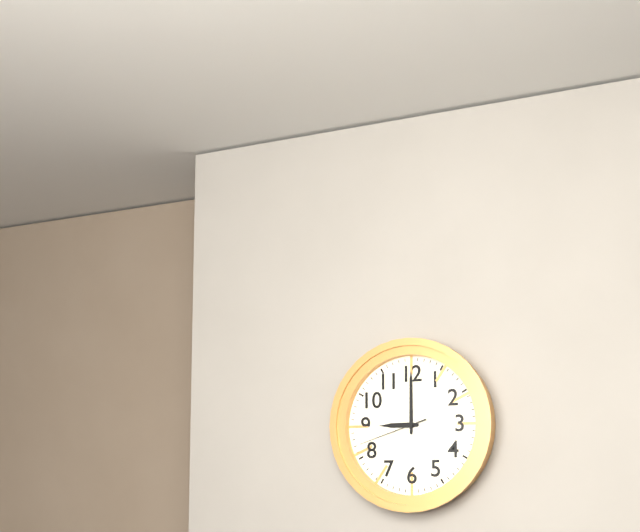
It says **9:00:42**
